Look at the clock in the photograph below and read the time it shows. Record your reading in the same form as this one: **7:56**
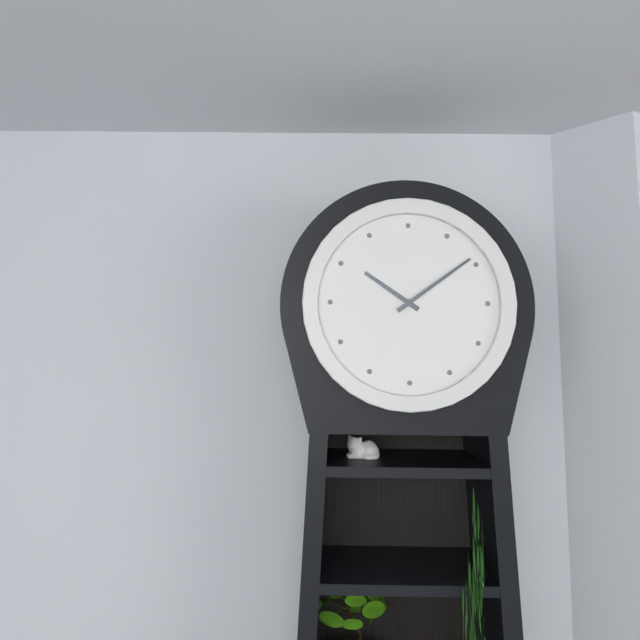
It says **10:09**
